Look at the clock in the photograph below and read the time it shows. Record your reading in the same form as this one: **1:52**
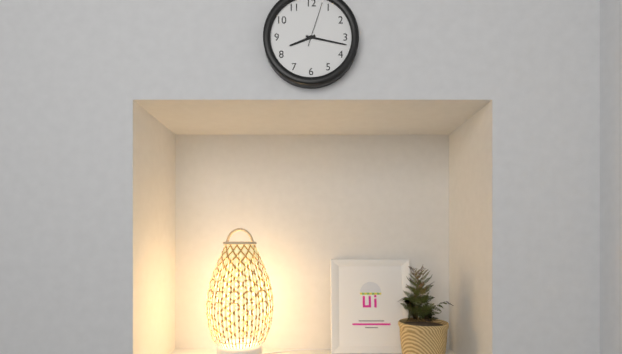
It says **8:17**
